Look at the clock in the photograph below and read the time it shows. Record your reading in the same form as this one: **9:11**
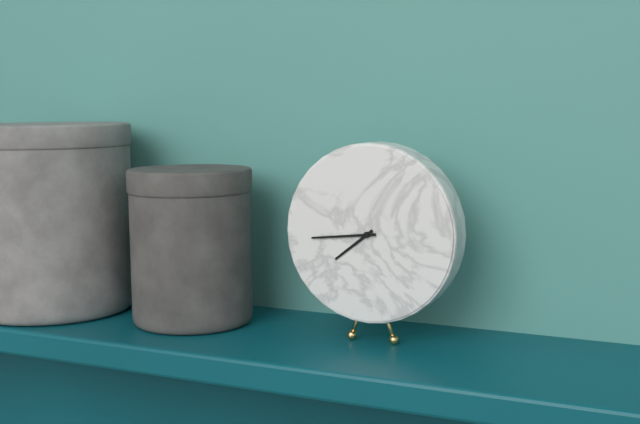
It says **7:44**
